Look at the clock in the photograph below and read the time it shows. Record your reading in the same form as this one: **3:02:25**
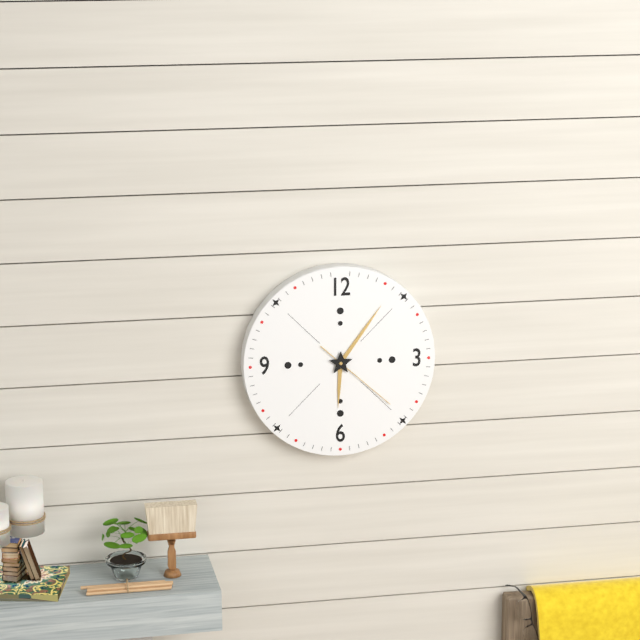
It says **6:06:22**
